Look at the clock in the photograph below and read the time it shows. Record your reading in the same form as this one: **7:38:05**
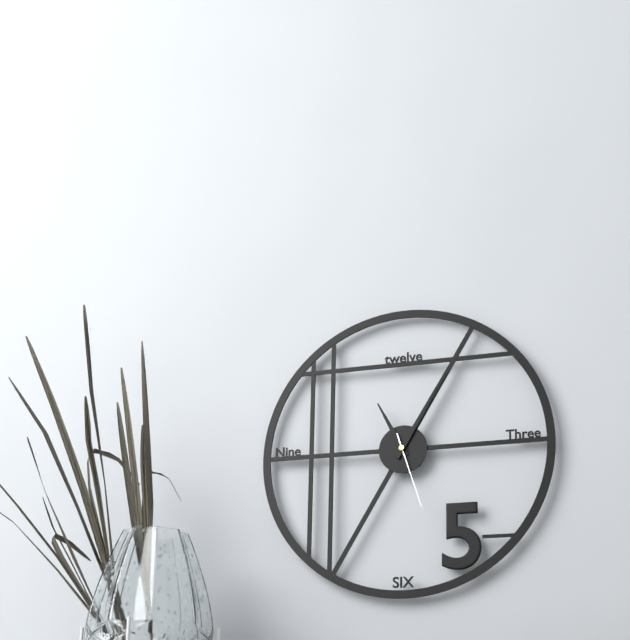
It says **11:05:27**
